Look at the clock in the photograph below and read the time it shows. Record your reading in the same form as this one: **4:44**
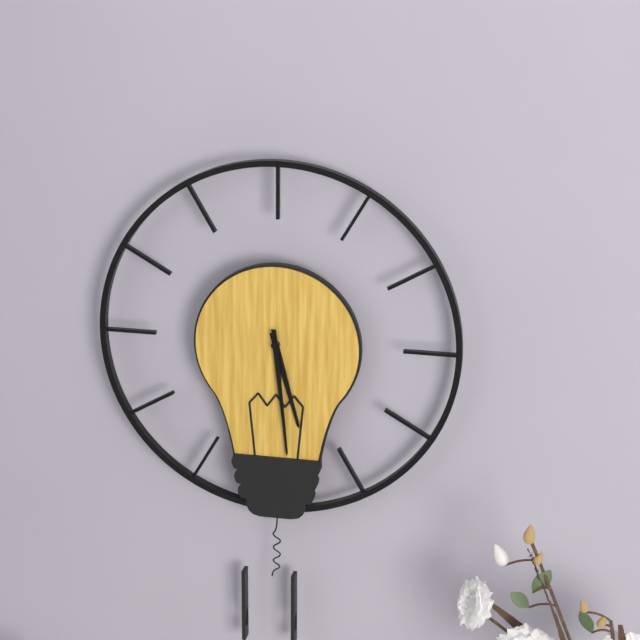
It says **5:29**
